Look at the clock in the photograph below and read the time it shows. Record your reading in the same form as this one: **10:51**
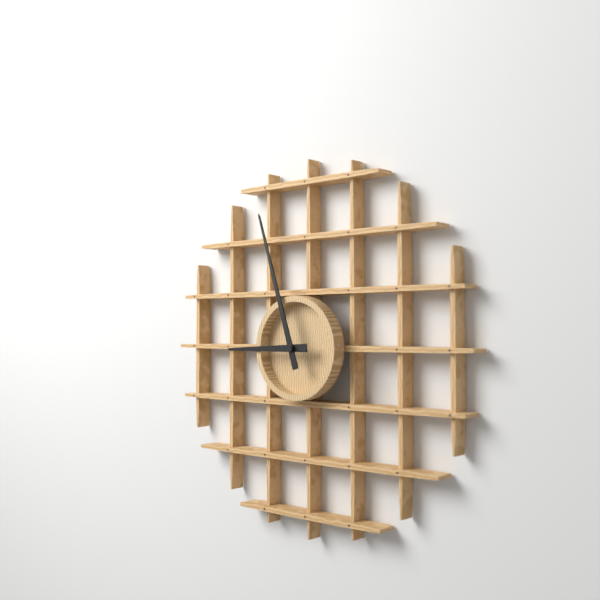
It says **8:57**
